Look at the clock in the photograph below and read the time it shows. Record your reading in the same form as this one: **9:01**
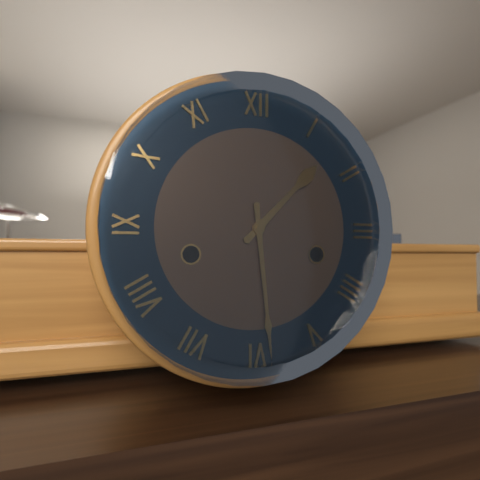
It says **1:29**
